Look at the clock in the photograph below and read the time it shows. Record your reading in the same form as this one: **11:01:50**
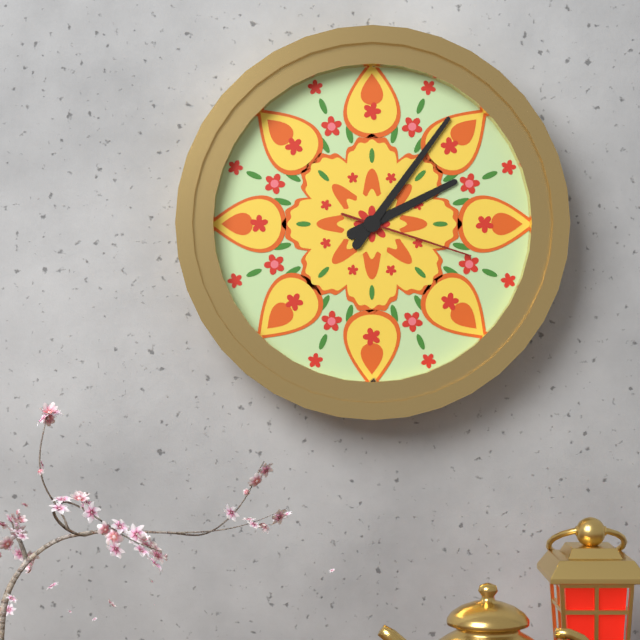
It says **2:06:18**
